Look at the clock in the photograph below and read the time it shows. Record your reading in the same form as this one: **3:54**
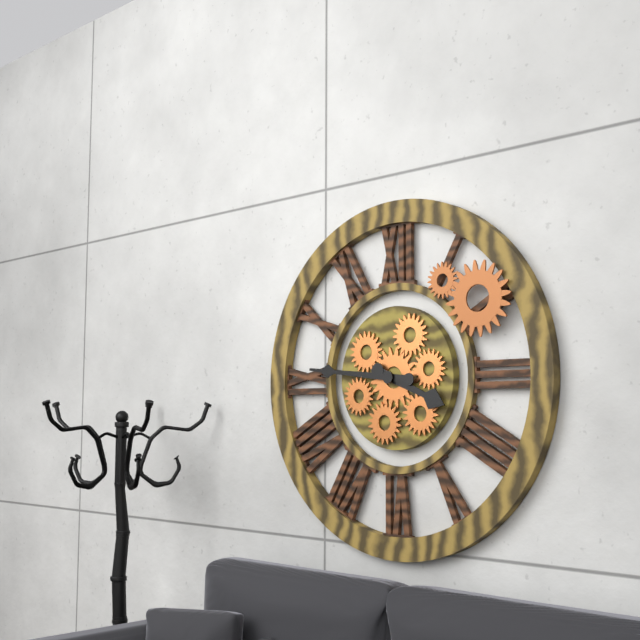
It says **3:46**
